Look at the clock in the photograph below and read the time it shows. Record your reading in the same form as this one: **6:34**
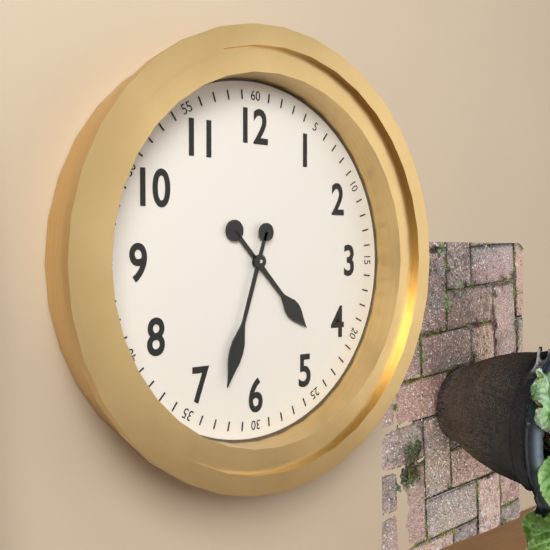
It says **4:33**
